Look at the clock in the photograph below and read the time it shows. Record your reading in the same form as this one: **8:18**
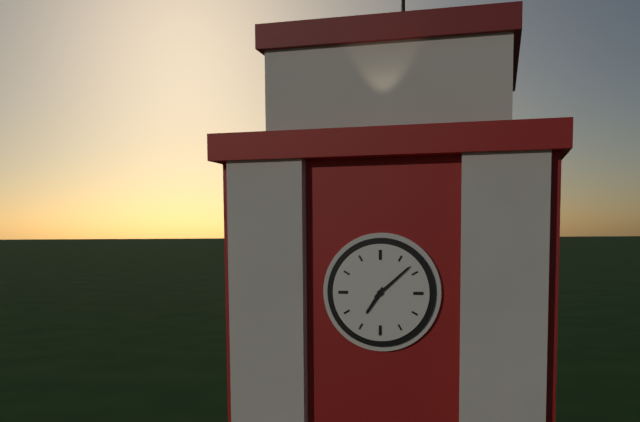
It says **7:08**
